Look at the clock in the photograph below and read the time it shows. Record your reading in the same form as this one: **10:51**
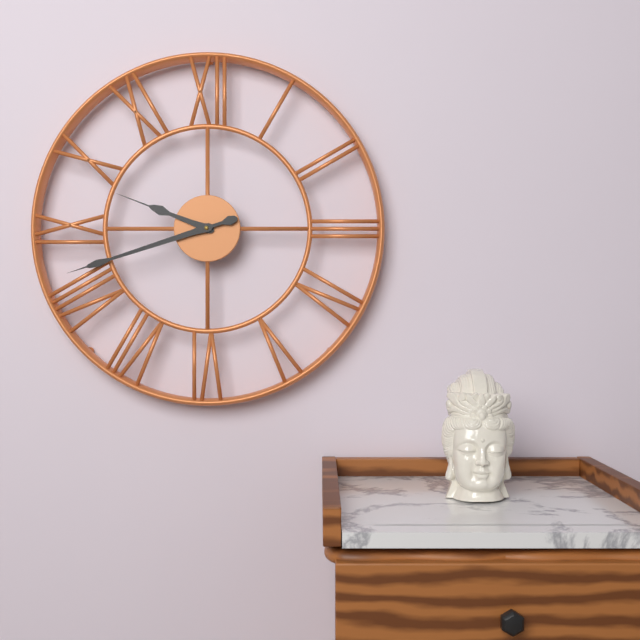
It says **9:42**
